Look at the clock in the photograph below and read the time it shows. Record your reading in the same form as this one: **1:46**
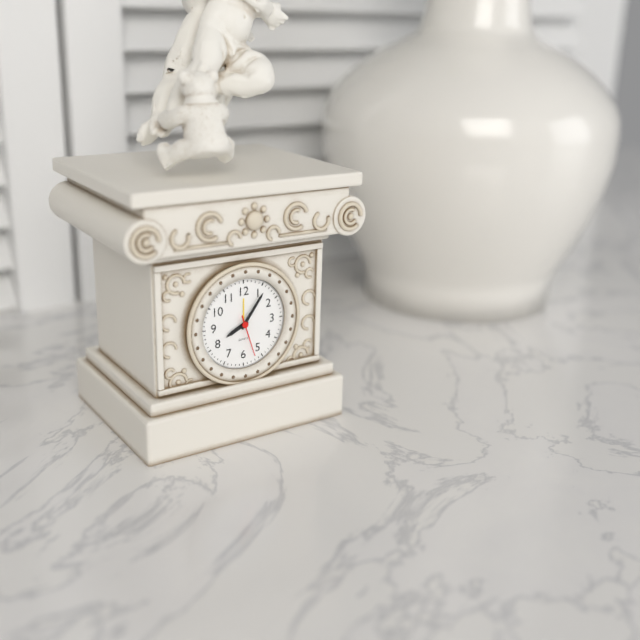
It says **8:06**
